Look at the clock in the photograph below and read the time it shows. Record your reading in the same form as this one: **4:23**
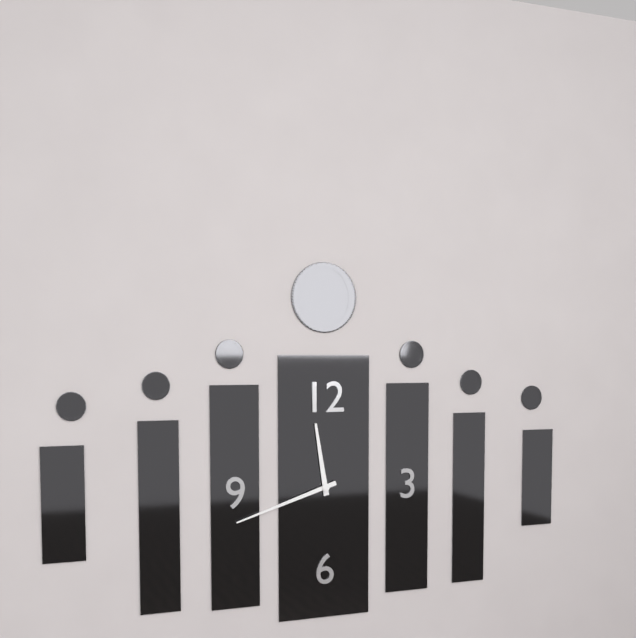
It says **11:42**
